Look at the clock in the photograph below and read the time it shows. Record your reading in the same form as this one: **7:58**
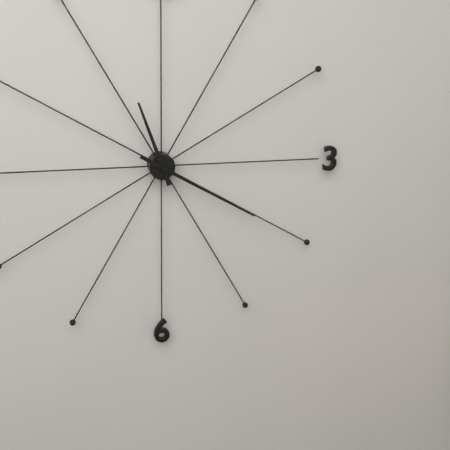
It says **11:20**
